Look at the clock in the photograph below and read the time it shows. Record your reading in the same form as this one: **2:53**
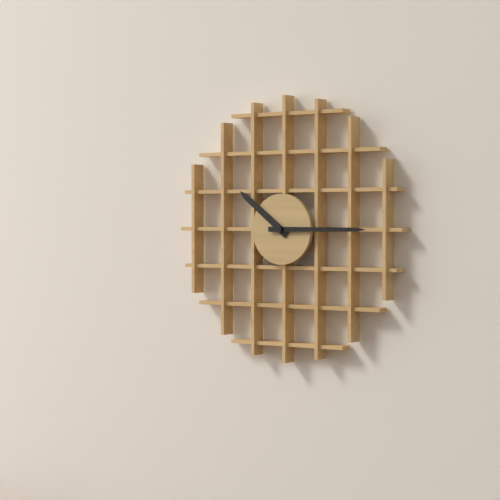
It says **10:15**
